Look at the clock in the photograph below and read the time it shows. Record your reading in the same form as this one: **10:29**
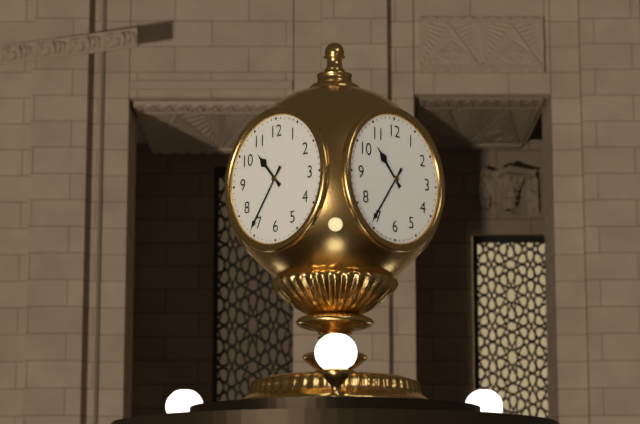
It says **10:36**
